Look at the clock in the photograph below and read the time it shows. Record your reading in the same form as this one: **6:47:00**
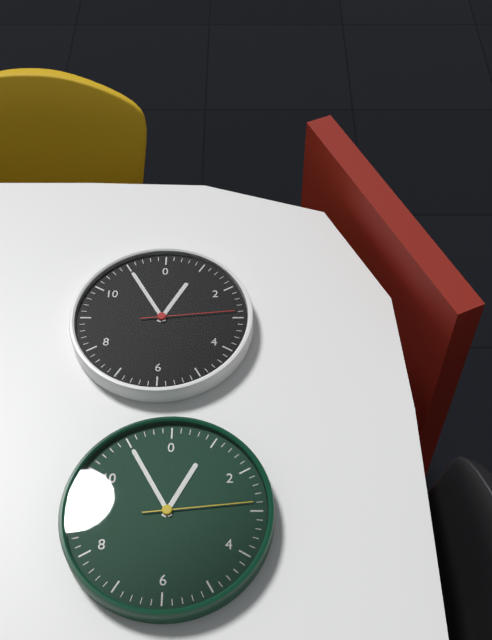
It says **12:55:14**
